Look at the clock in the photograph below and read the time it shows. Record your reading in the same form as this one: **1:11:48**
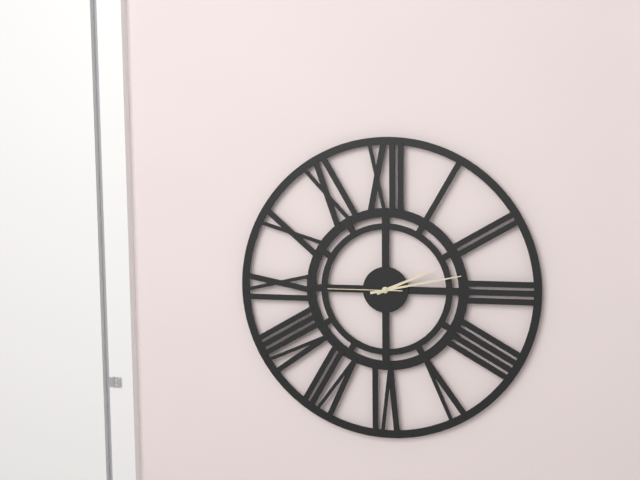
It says **2:13:45**
